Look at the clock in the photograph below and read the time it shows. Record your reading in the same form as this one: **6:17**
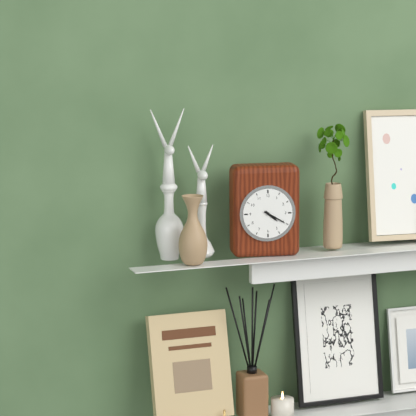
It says **4:20**
